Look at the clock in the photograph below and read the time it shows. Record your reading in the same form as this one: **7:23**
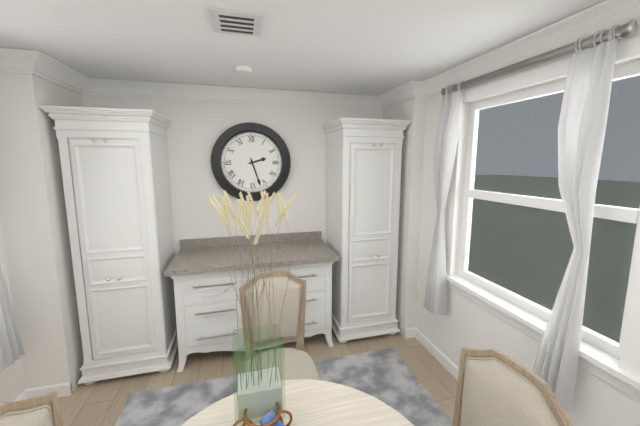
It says **2:27**
